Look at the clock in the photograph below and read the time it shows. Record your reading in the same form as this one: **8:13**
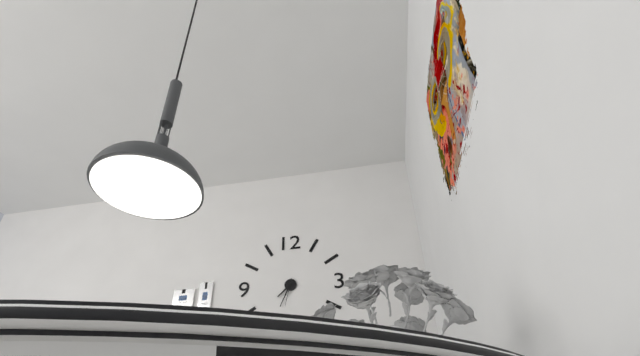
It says **7:34**
